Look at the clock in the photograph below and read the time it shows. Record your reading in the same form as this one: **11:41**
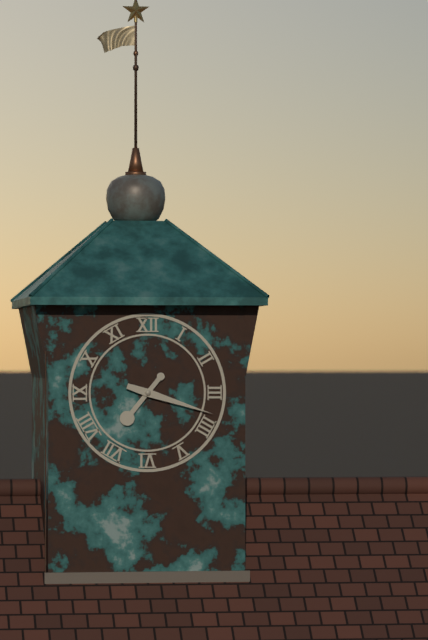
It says **7:18**
